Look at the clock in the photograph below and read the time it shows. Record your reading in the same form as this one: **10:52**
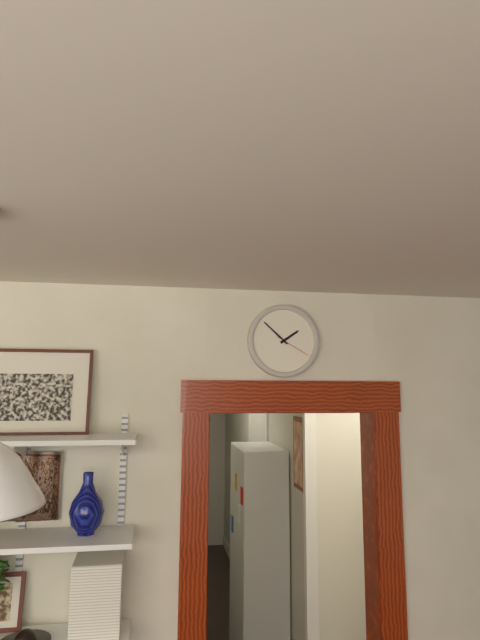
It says **1:52**
